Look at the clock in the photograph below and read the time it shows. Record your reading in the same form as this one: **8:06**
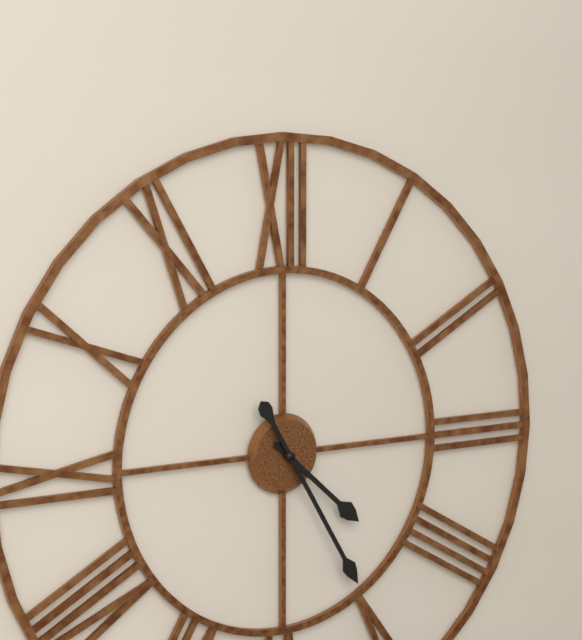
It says **4:25**
